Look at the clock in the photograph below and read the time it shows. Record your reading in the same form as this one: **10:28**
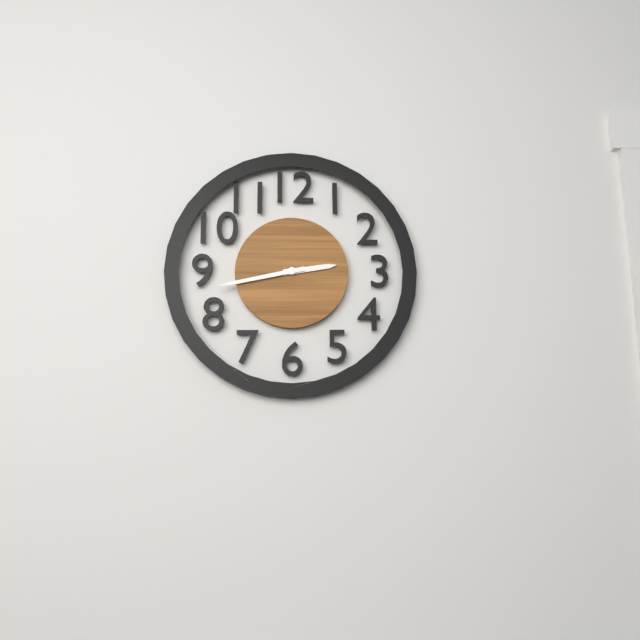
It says **2:43**
